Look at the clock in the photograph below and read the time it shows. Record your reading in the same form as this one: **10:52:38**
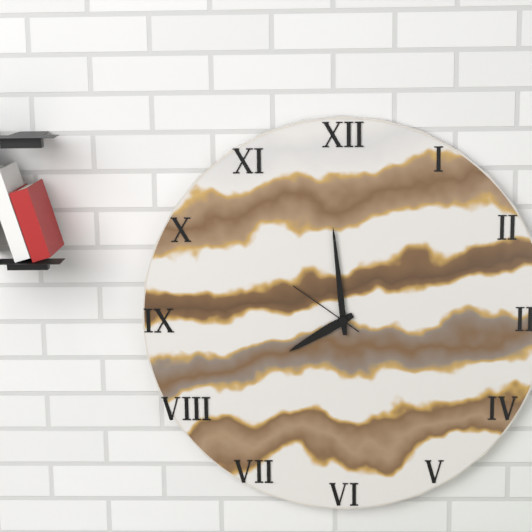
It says **7:59:51**
